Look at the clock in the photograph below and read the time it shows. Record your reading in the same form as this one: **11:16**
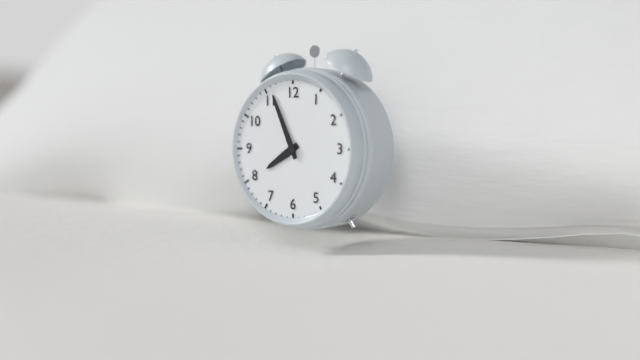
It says **7:56**
